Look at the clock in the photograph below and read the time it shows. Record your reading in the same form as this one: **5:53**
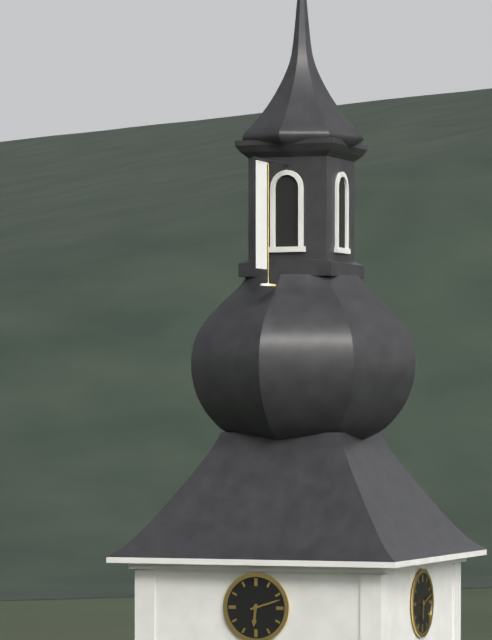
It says **6:12**
